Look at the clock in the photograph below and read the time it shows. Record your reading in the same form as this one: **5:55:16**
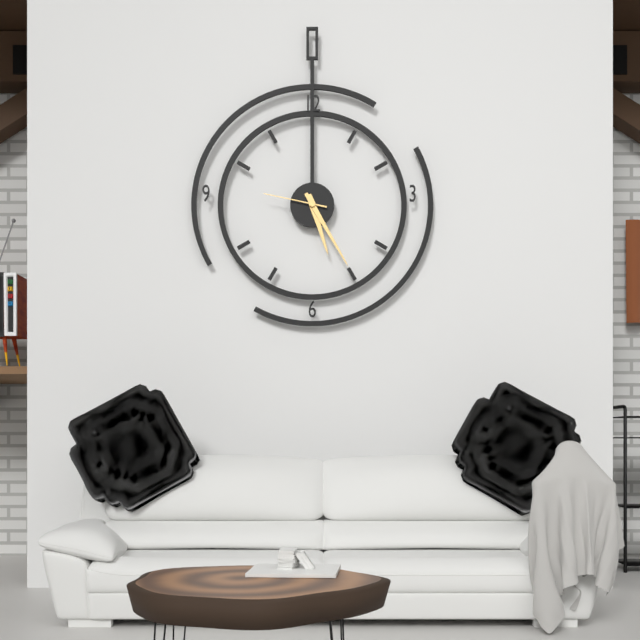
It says **5:25:47**
